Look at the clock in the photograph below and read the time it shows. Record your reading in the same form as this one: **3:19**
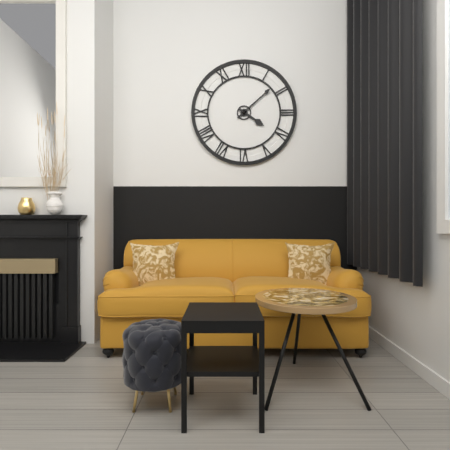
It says **4:08**
